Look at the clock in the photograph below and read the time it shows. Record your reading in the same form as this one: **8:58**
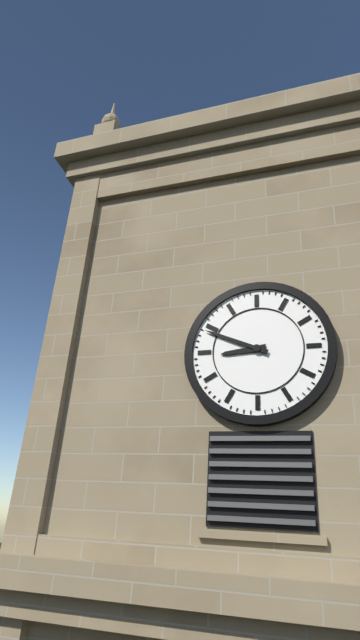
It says **8:49**
